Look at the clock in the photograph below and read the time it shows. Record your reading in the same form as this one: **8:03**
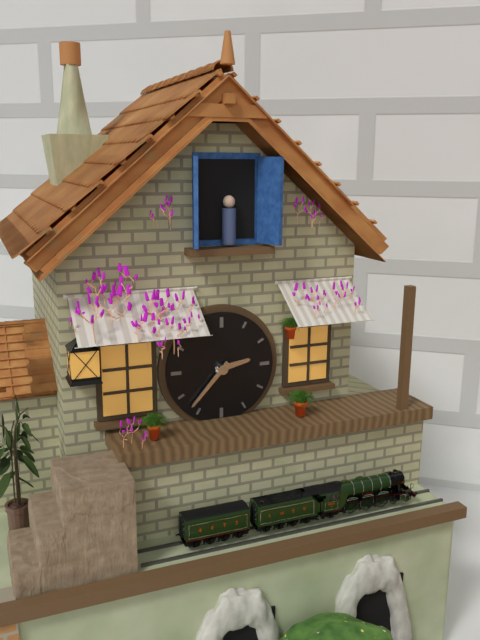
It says **2:37**
